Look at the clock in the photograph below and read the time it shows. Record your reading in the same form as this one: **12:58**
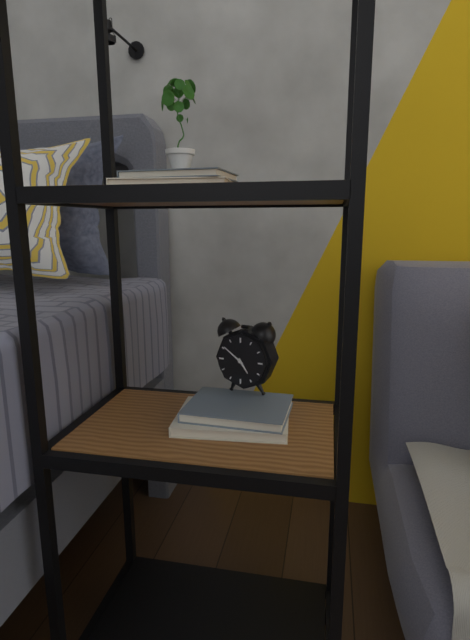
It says **4:51**
